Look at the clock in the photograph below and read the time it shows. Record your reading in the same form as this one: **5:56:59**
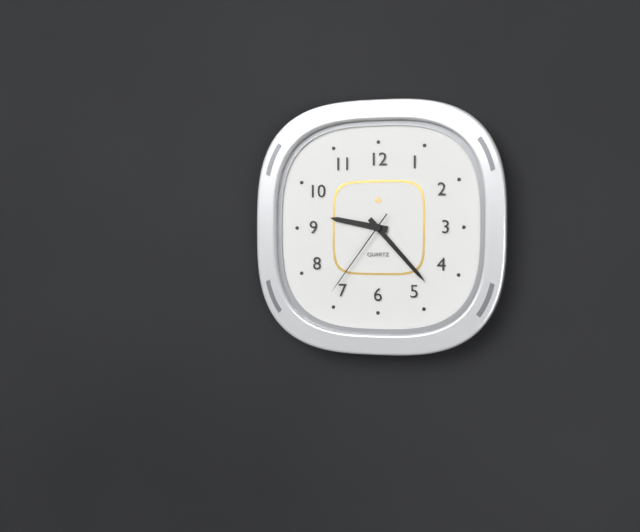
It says **9:23:36**
